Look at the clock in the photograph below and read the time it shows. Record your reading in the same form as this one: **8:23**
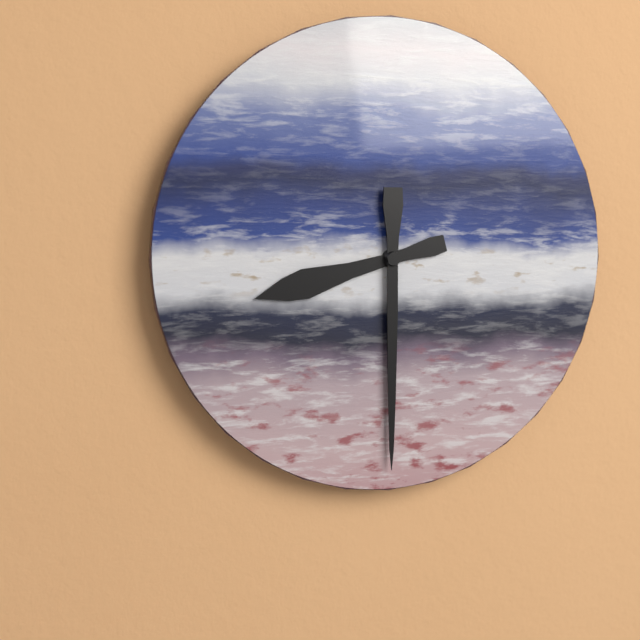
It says **8:30**
